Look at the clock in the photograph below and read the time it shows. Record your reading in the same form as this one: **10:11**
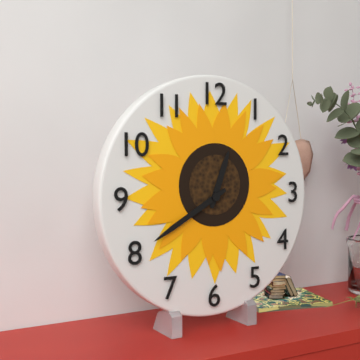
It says **12:40**
